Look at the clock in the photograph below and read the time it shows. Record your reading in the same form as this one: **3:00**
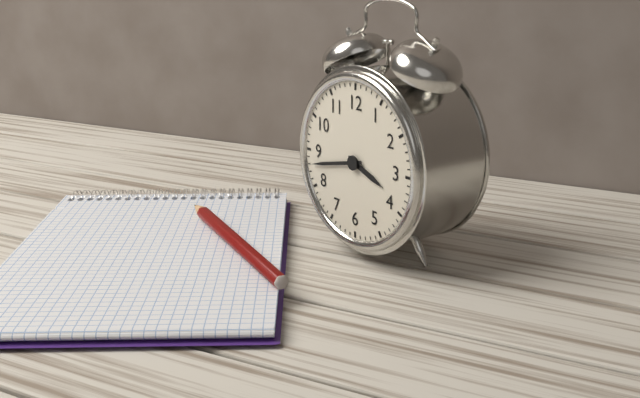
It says **3:43**
